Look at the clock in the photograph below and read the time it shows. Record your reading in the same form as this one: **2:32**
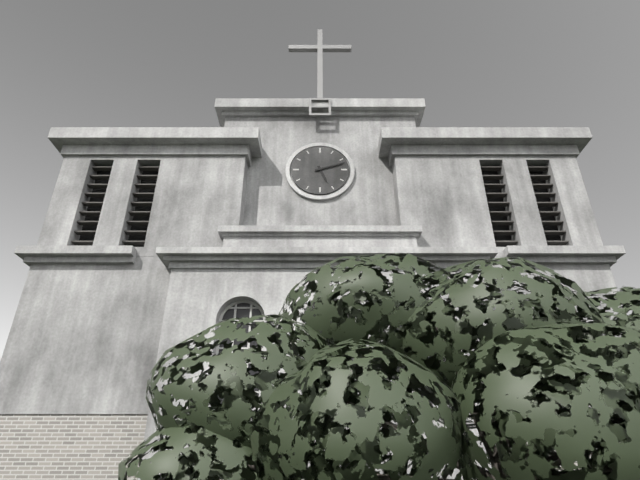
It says **5:12**
